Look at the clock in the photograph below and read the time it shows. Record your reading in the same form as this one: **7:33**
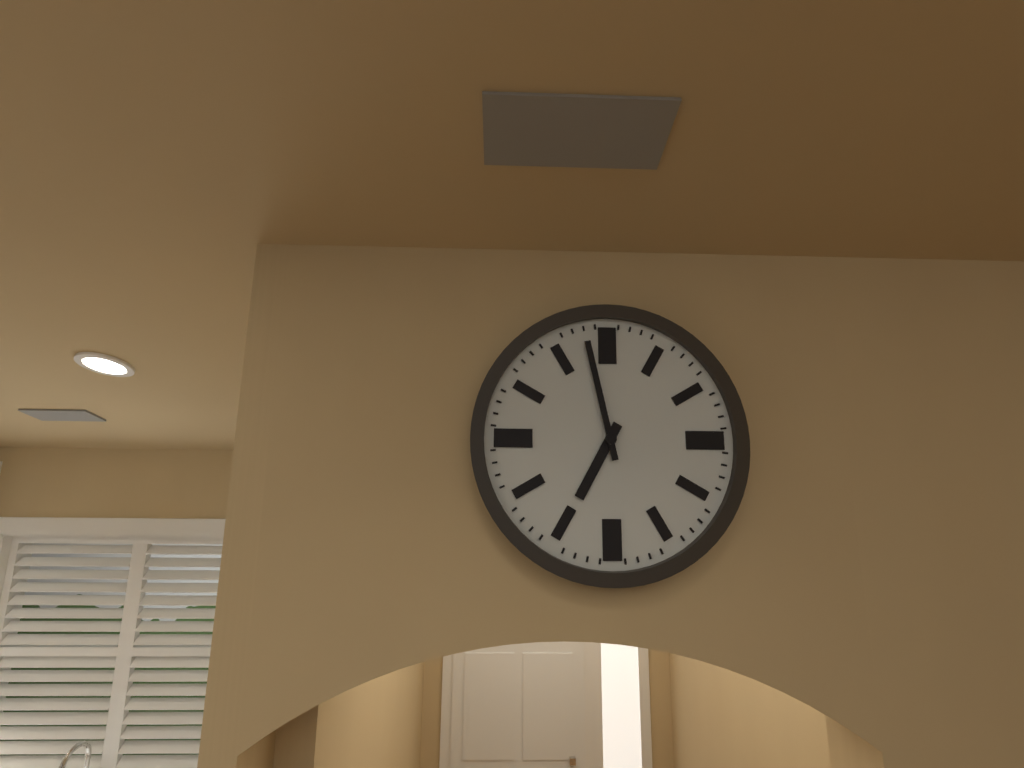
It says **6:58**
